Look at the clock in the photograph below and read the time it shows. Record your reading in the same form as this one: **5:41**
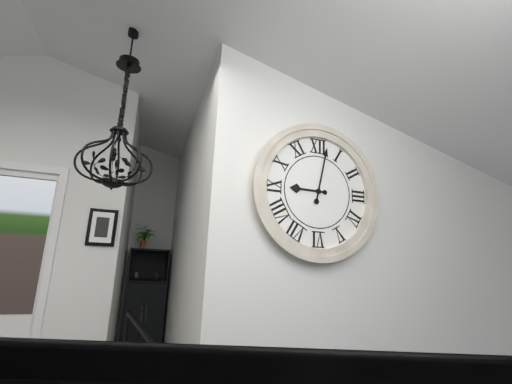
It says **9:02**
